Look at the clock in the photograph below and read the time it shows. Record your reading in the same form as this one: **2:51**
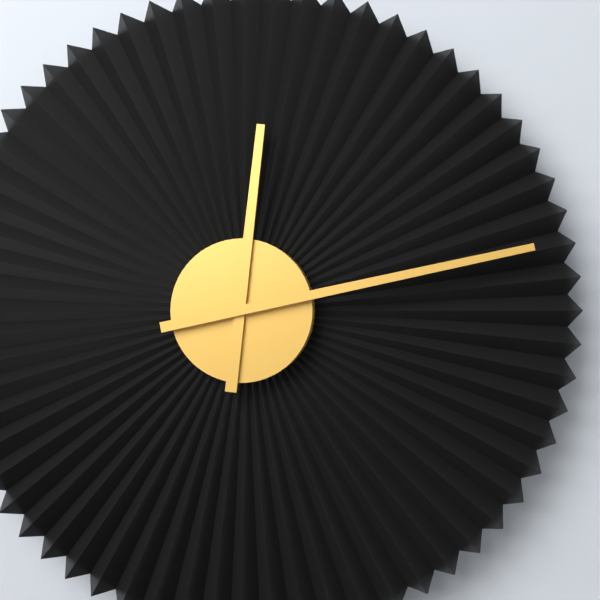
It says **12:13**
